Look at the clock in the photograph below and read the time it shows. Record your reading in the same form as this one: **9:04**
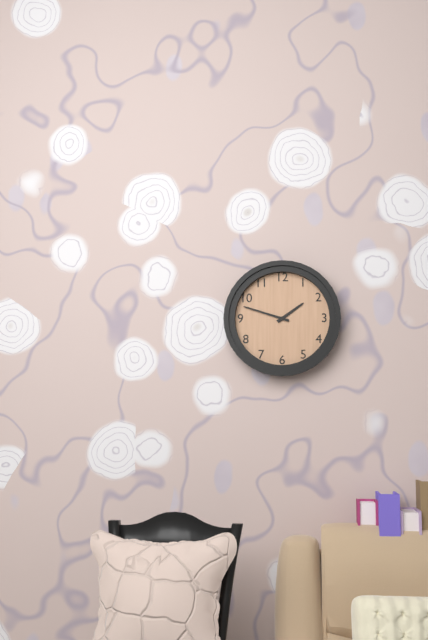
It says **1:48**
